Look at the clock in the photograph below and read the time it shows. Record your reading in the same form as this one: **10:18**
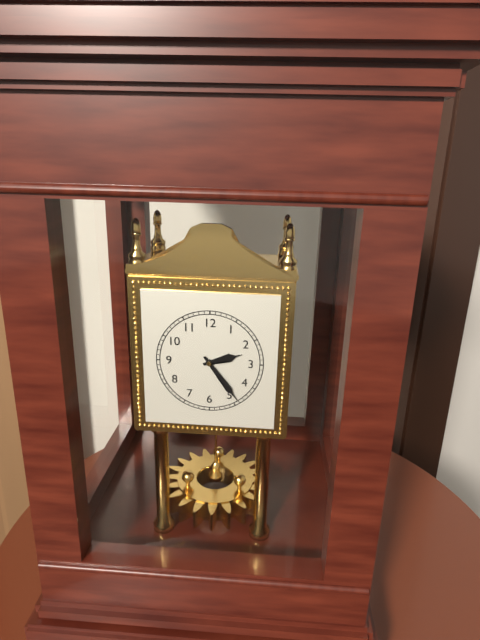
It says **2:24**
